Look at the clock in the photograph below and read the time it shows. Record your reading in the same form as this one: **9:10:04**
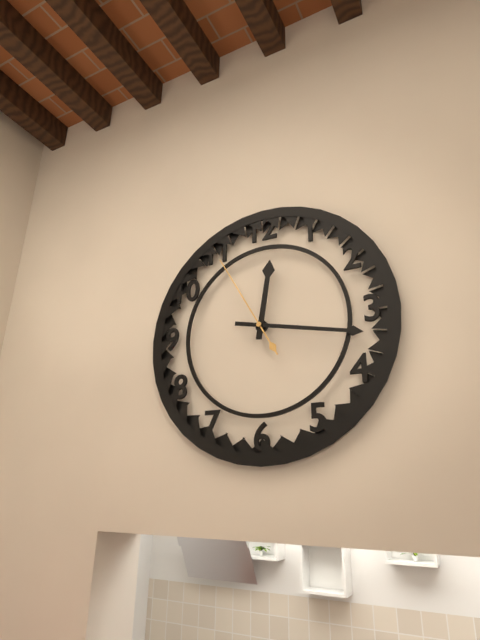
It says **12:17:55**
